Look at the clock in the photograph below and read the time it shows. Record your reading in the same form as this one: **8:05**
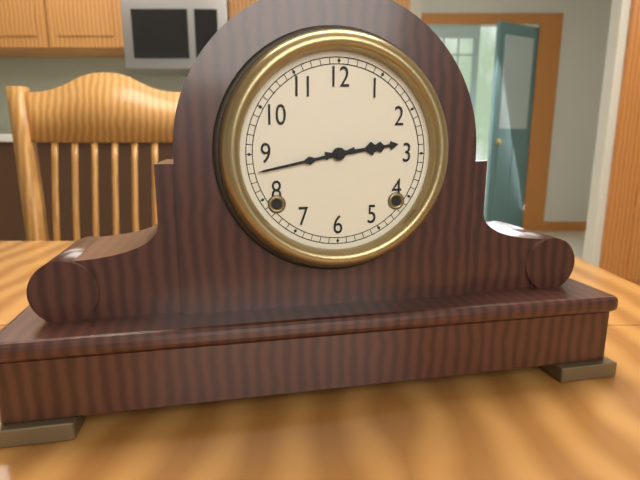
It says **2:43**
